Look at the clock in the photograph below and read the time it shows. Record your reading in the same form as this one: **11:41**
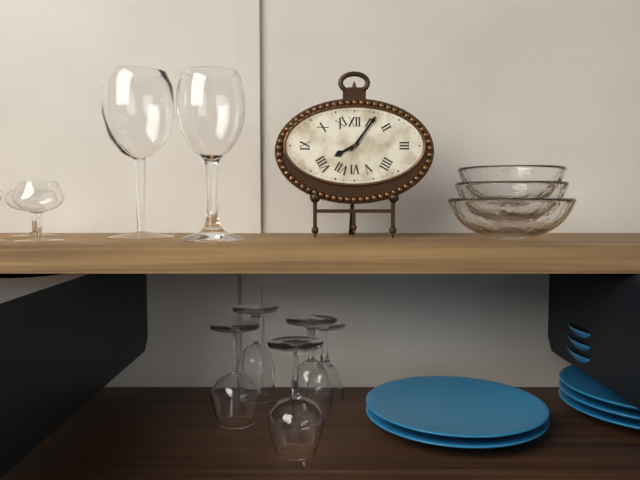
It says **8:06**
